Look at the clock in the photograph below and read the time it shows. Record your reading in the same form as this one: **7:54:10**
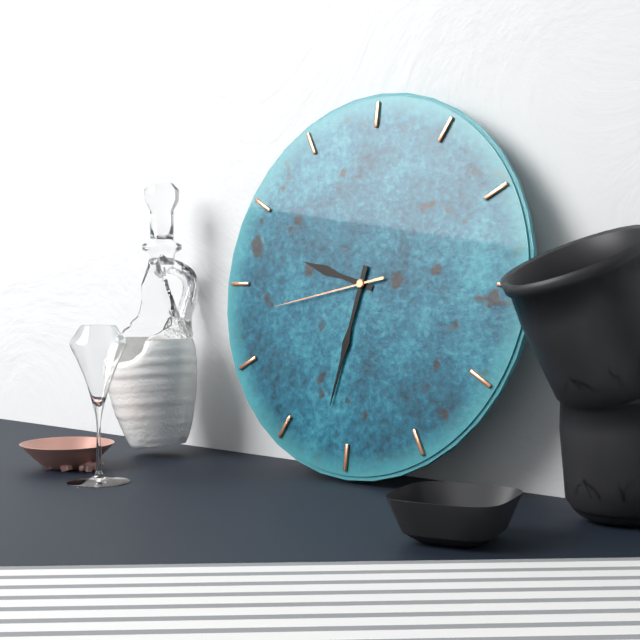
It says **9:32:43**
